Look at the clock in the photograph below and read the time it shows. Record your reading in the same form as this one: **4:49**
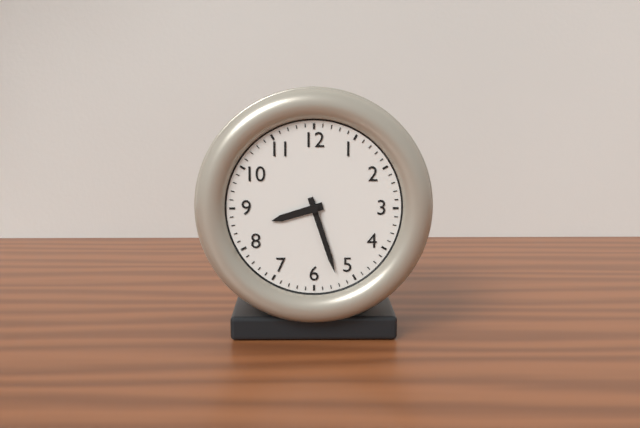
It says **8:27**
